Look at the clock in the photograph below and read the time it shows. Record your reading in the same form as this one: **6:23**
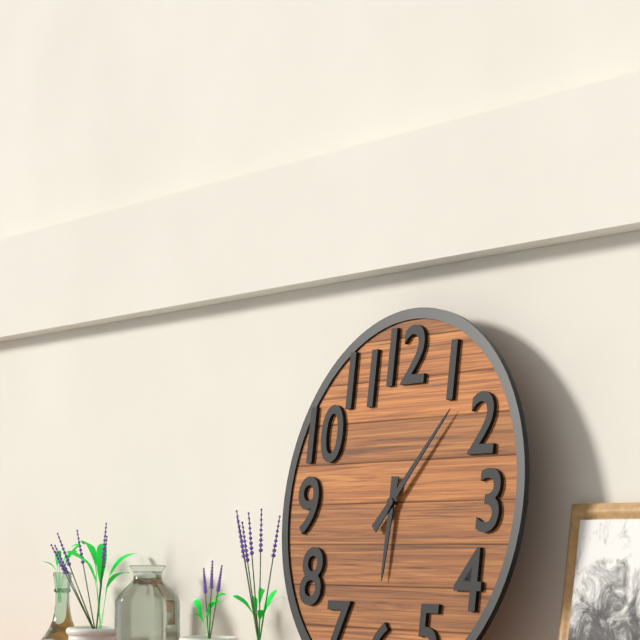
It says **6:07**
